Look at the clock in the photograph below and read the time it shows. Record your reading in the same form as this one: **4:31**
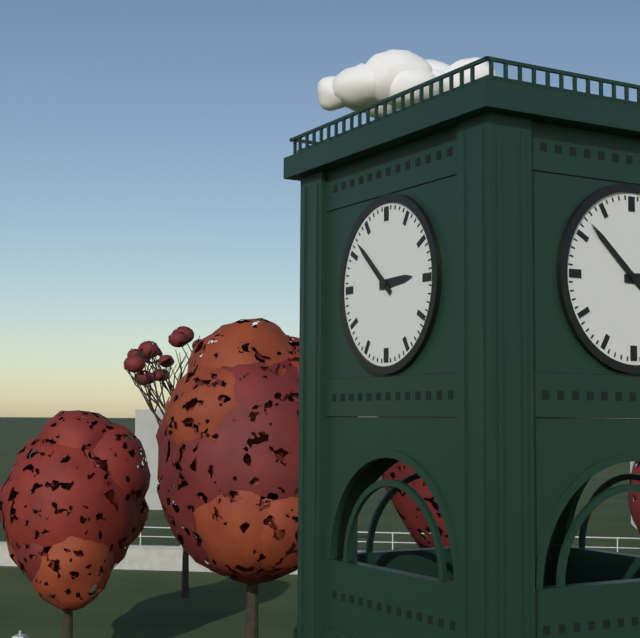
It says **2:52**
